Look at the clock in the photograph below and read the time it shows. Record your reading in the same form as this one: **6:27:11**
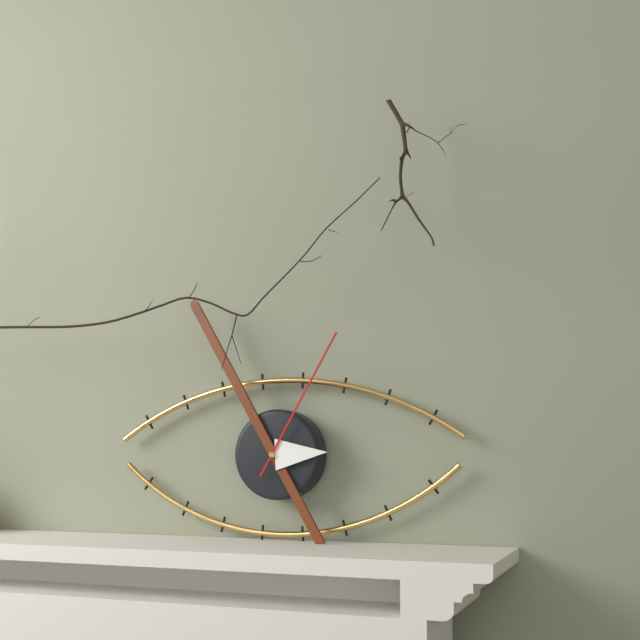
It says **2:55:05**
